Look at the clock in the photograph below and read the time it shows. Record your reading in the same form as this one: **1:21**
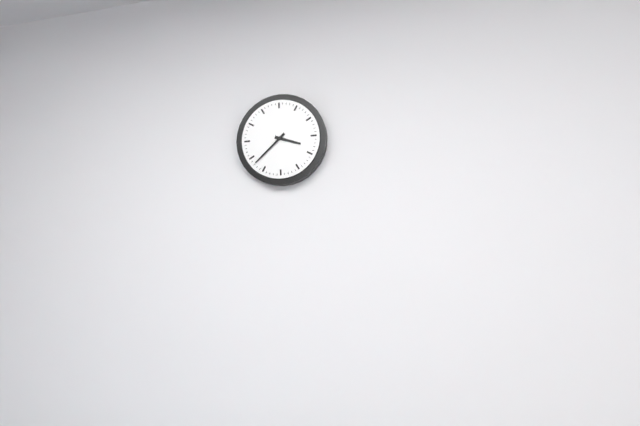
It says **3:38**
